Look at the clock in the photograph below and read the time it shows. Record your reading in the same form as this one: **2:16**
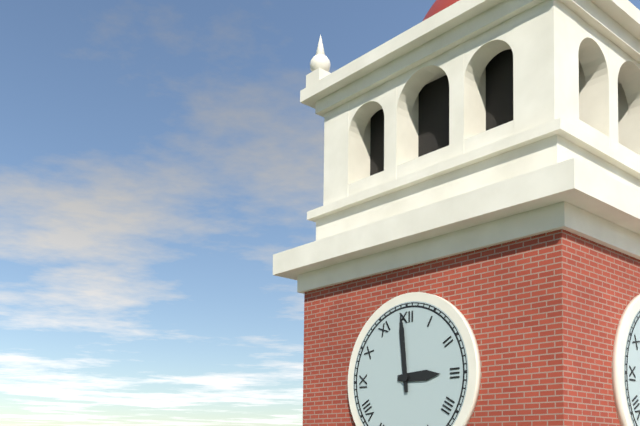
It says **2:59**
